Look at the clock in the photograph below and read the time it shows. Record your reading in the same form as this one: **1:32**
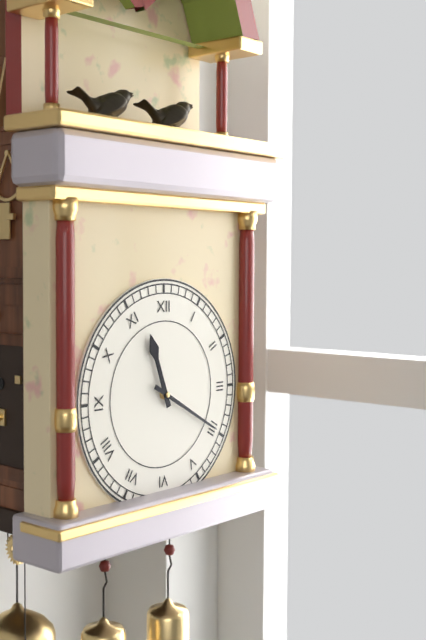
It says **11:20**
